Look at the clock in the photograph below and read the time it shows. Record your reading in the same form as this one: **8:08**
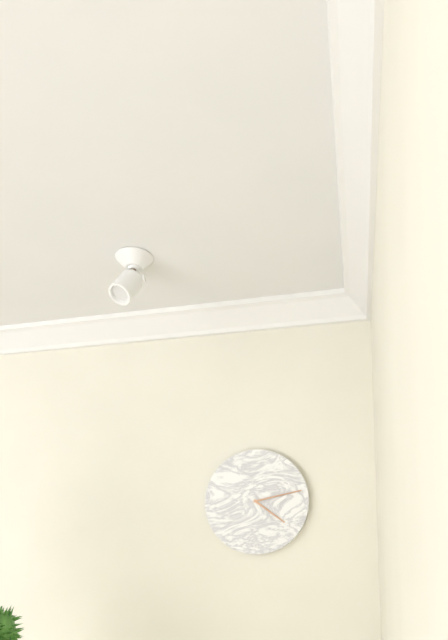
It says **4:13**
